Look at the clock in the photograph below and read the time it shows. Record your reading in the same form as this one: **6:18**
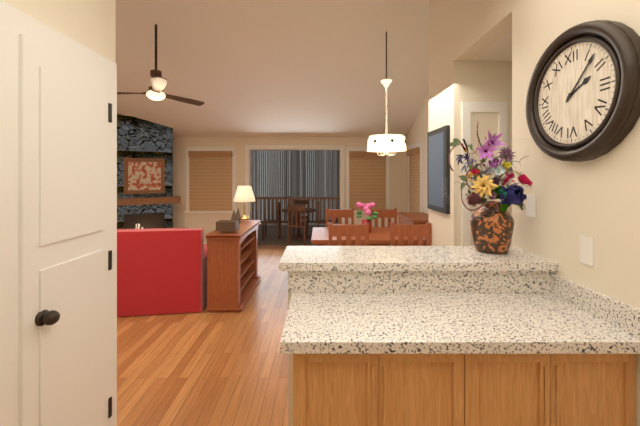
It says **2:07**
